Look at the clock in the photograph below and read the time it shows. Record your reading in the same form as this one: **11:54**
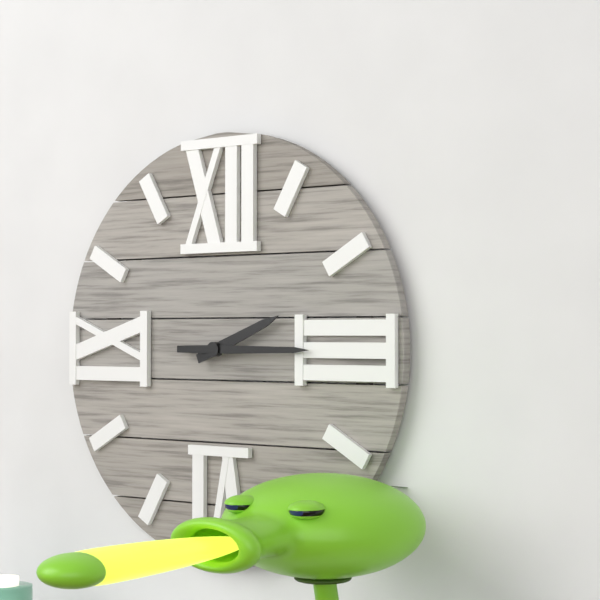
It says **2:15**
